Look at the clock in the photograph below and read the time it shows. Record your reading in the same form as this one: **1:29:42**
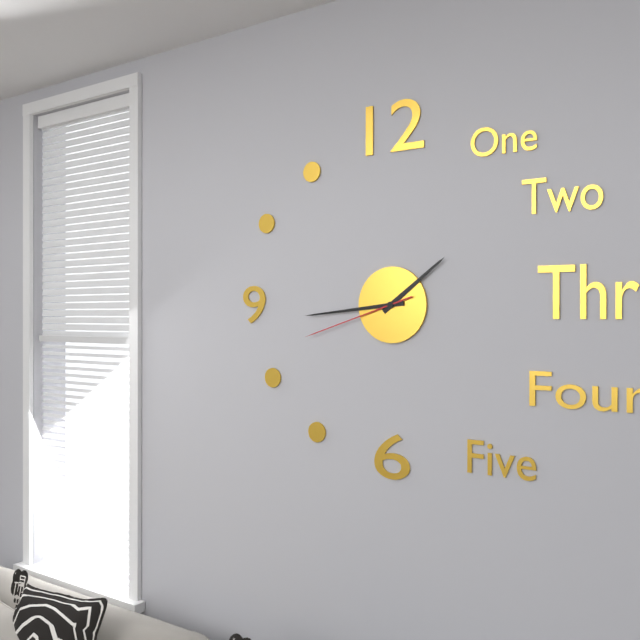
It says **1:44:42**
